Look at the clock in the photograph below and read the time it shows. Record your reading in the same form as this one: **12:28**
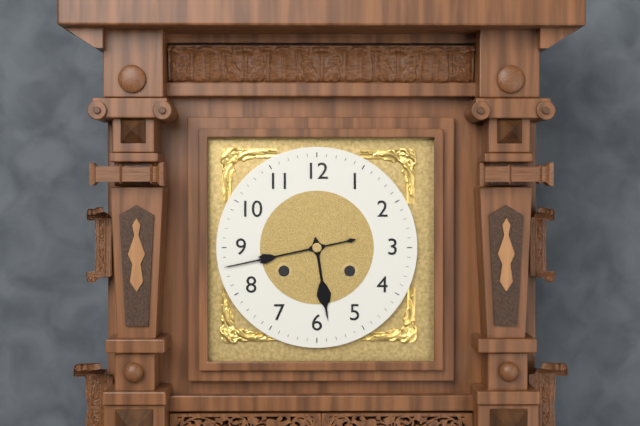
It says **5:43**
